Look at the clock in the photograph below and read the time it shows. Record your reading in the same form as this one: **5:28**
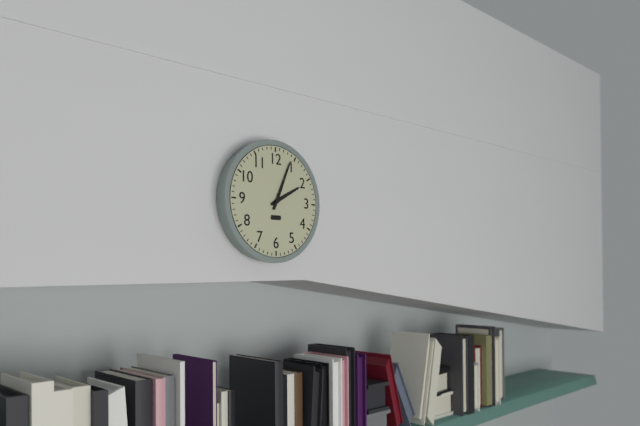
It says **2:04**
